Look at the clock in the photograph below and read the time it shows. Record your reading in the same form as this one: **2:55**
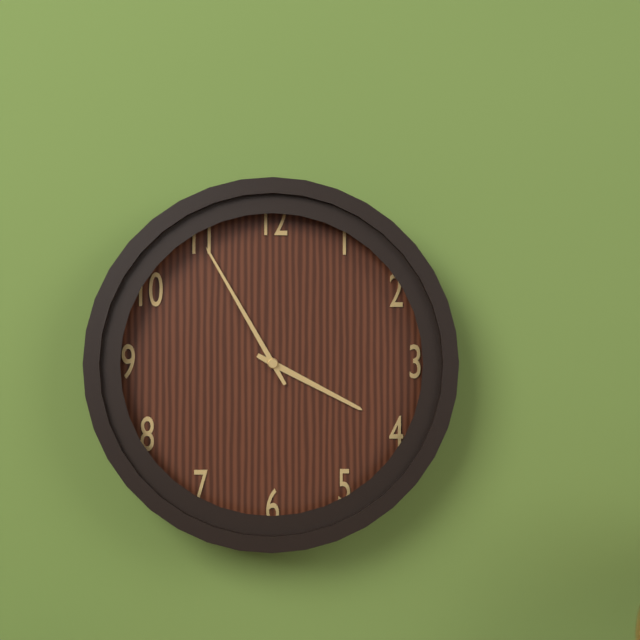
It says **3:55**
